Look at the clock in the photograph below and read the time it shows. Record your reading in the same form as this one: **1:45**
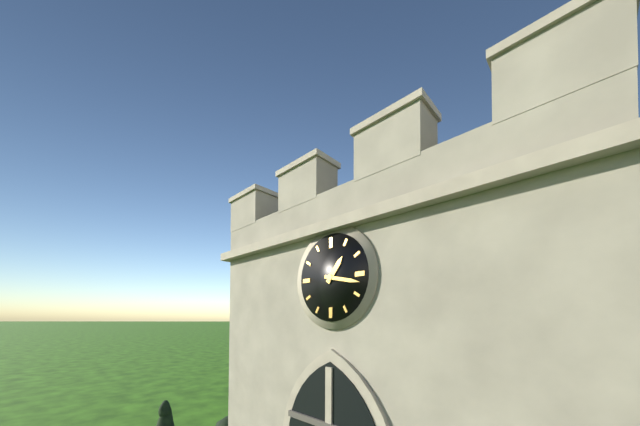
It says **1:17**
